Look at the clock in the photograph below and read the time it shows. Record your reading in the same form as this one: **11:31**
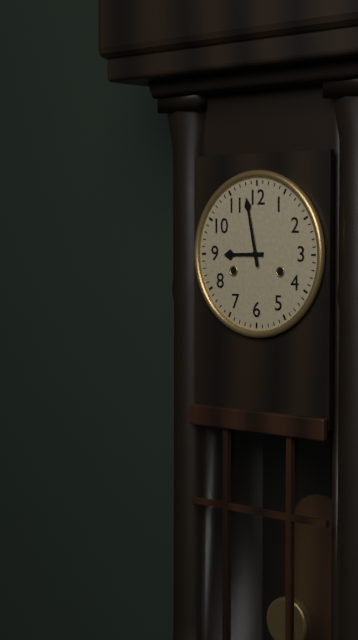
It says **8:58**
